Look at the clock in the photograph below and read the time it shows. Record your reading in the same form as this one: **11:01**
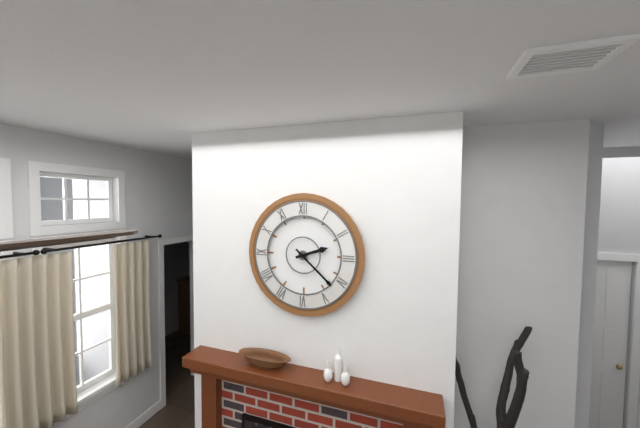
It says **2:22**
